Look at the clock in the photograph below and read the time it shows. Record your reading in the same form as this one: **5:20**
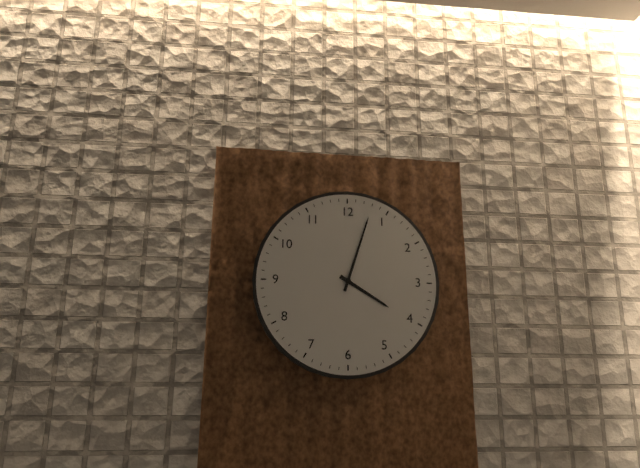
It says **4:03**
